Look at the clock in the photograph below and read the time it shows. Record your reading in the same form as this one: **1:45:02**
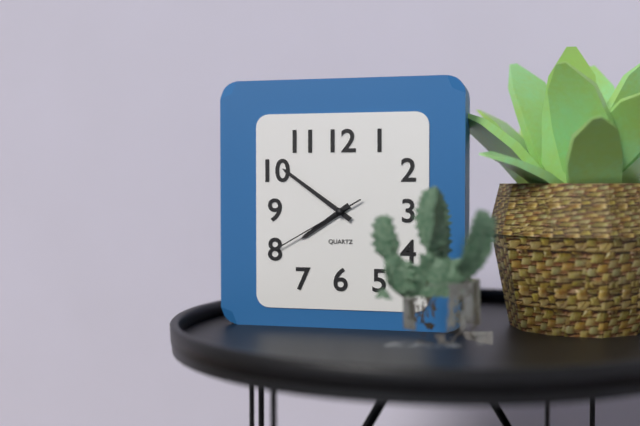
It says **7:51:40**
